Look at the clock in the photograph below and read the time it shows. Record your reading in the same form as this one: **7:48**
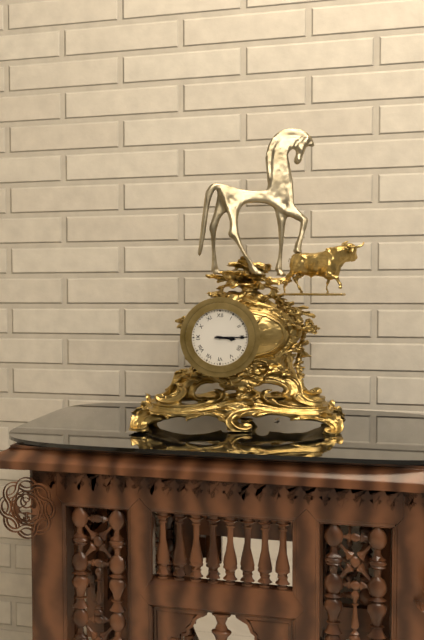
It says **3:15**
